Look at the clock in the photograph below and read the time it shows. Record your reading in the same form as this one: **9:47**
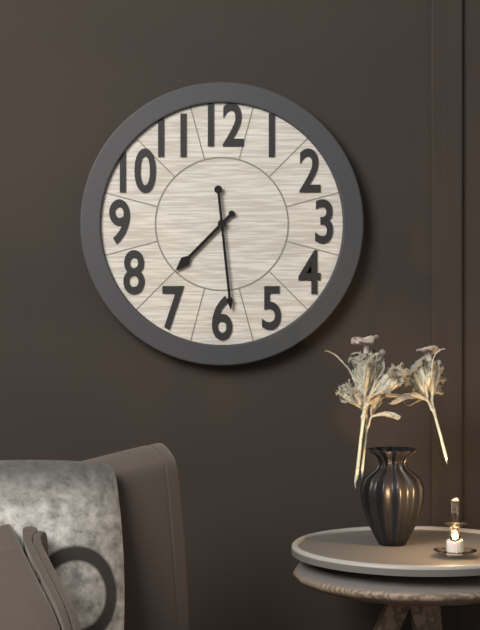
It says **7:29**
